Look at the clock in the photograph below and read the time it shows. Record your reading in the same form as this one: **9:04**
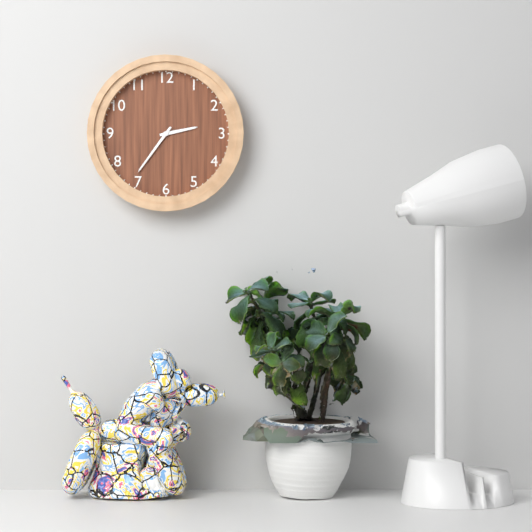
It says **2:36**
